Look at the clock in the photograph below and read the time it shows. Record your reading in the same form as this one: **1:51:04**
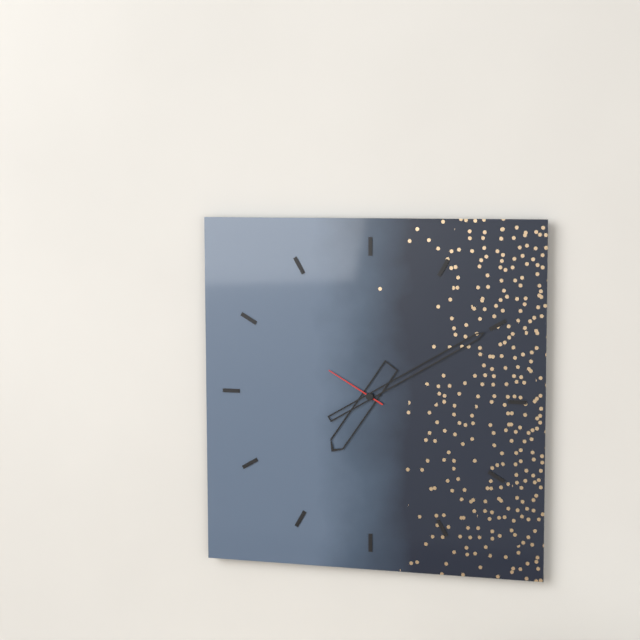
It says **7:10:50**
